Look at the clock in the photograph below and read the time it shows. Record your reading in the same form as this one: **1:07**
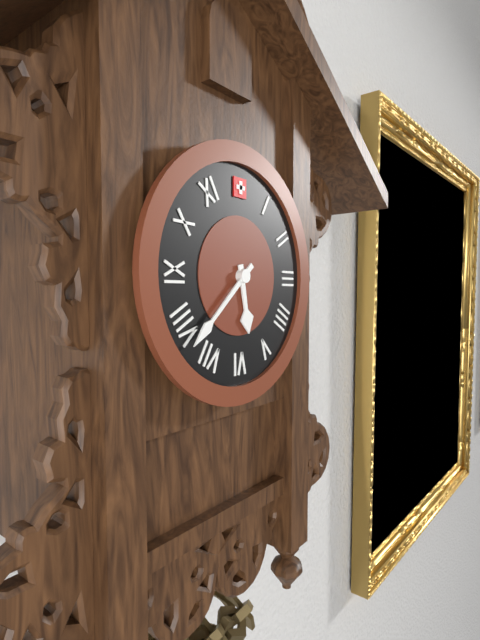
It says **5:38**
